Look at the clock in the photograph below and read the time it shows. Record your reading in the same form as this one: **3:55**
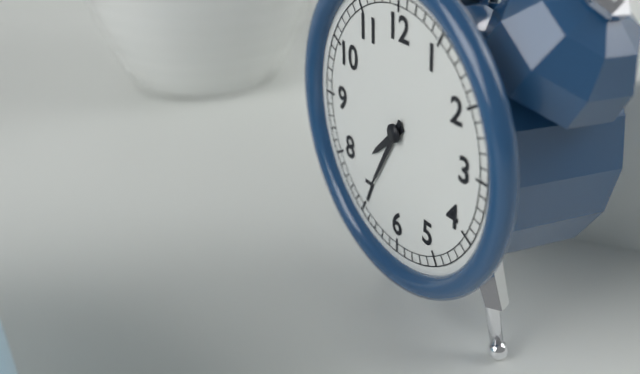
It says **7:35**
